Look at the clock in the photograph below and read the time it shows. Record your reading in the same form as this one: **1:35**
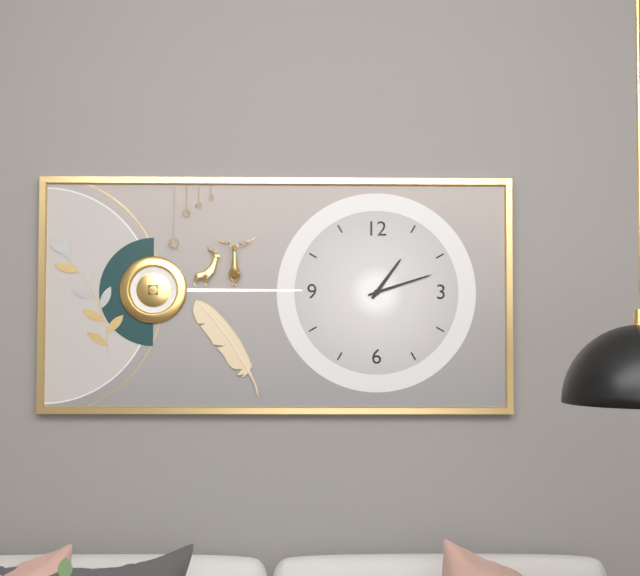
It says **1:12**
